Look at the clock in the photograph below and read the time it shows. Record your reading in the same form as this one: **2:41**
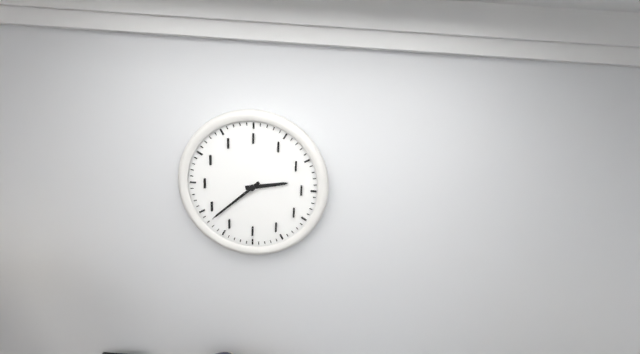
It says **2:38**
